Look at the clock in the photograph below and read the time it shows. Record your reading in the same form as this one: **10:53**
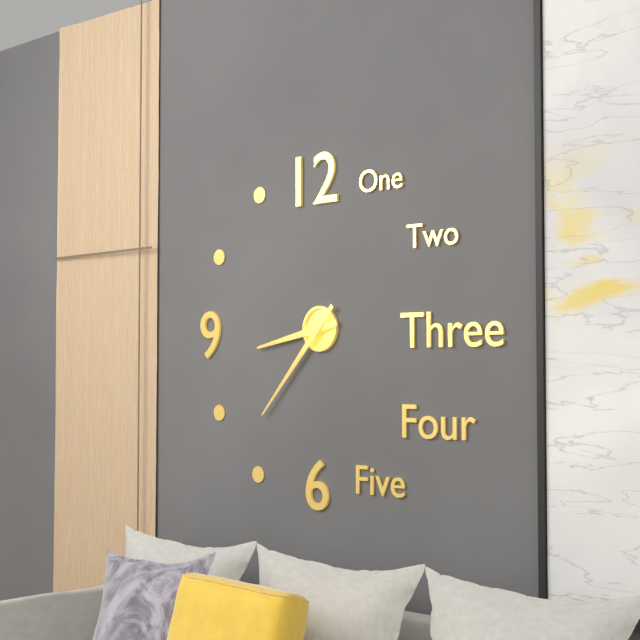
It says **8:37**
